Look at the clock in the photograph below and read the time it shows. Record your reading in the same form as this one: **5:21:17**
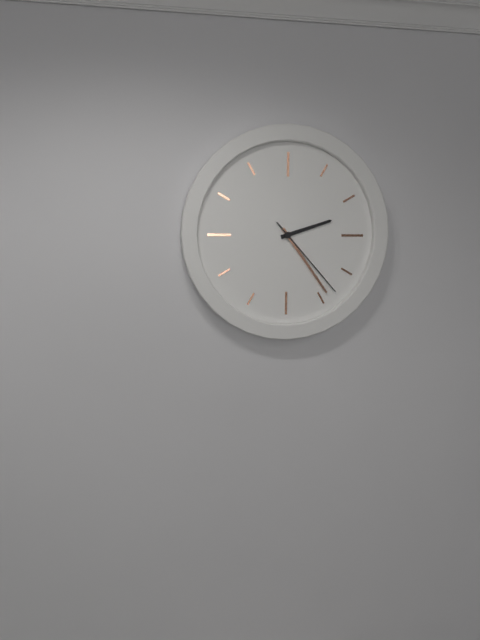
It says **2:24:23**
